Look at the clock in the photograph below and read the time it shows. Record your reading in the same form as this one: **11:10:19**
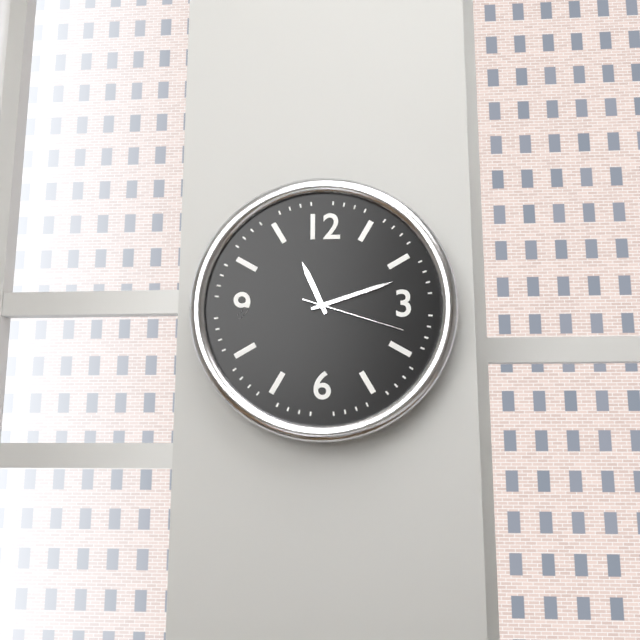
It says **11:12:18**
